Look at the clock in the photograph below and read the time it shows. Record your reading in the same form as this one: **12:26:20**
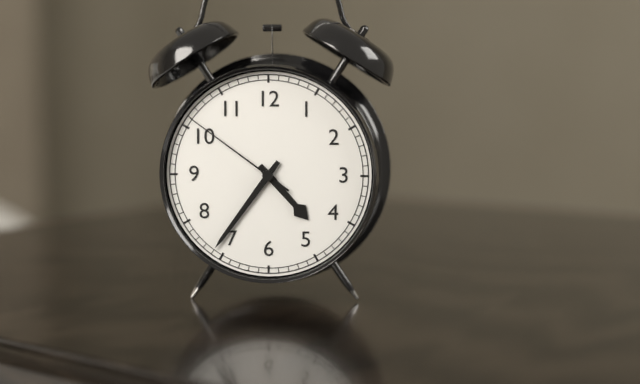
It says **4:36:51**
